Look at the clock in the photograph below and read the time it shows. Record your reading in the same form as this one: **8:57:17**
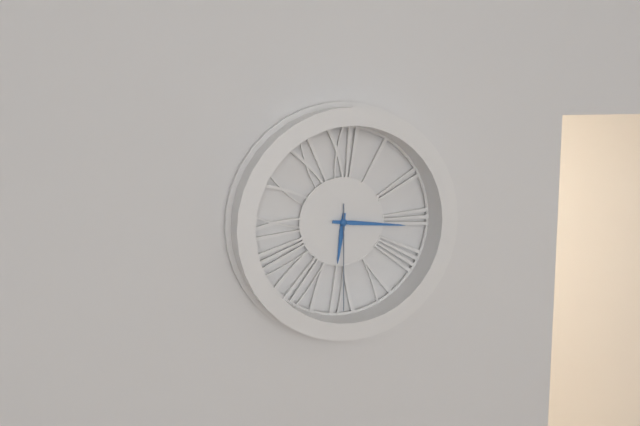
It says **6:16:30**
